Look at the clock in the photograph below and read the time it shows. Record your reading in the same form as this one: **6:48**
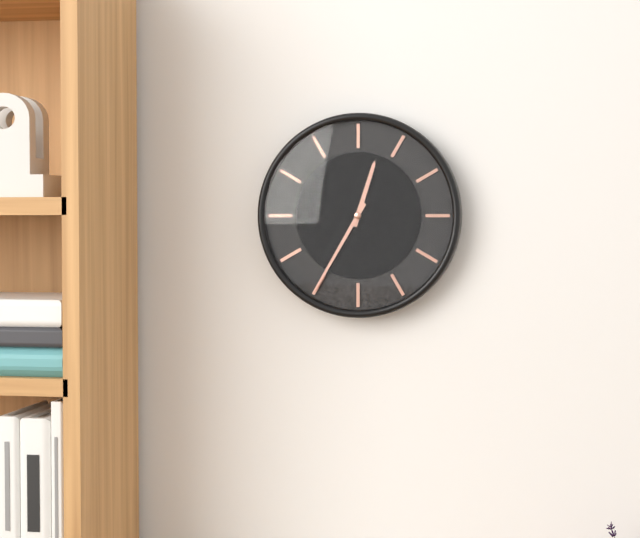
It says **12:35**
